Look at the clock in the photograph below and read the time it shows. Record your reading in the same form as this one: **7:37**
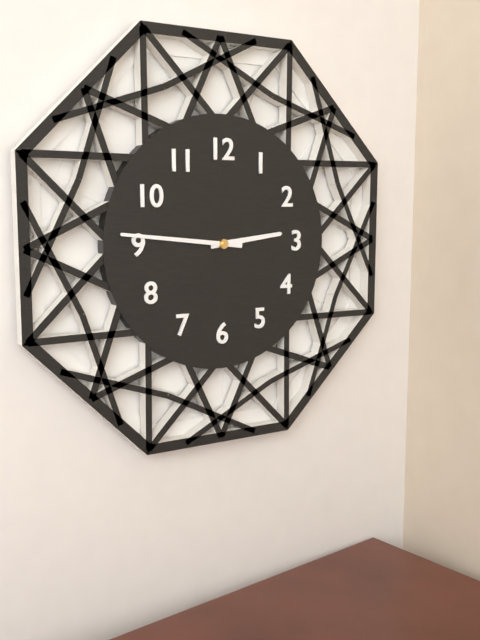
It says **2:46**
